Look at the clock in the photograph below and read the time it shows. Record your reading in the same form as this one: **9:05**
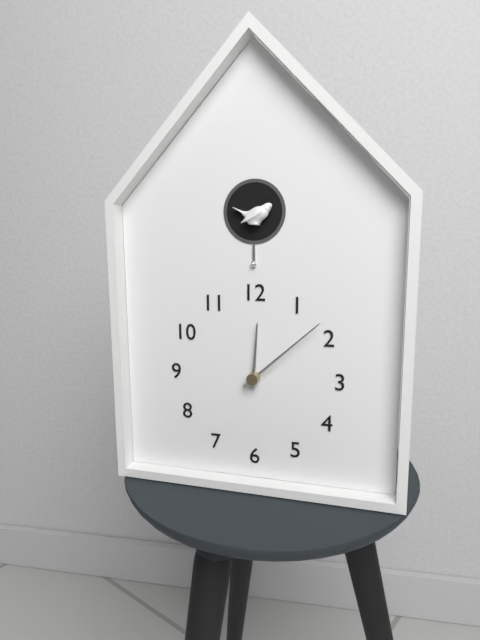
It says **12:08**
